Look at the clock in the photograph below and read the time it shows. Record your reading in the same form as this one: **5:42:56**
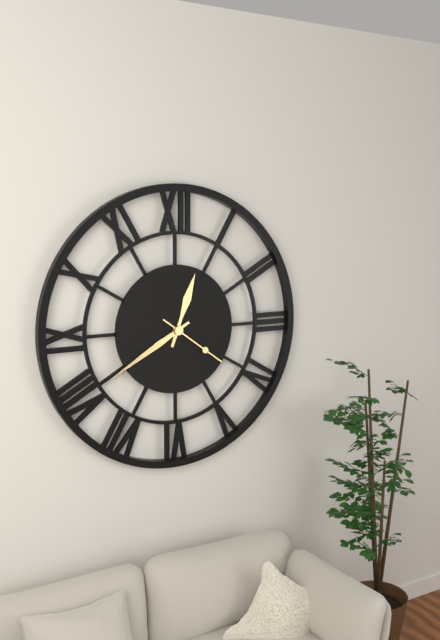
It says **12:40:21**
